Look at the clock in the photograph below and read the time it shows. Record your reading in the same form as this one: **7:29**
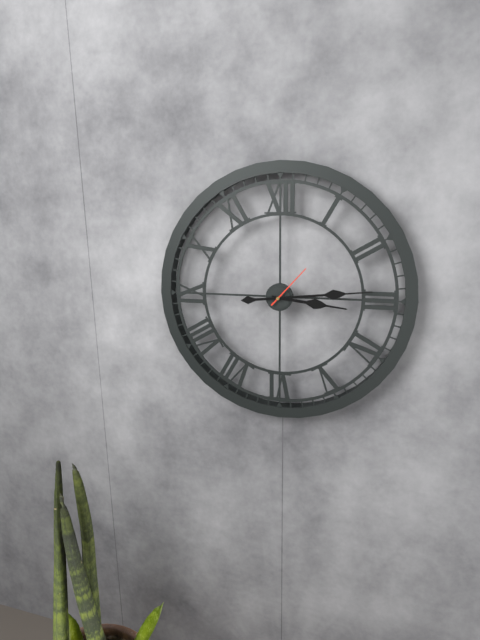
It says **3:14**
